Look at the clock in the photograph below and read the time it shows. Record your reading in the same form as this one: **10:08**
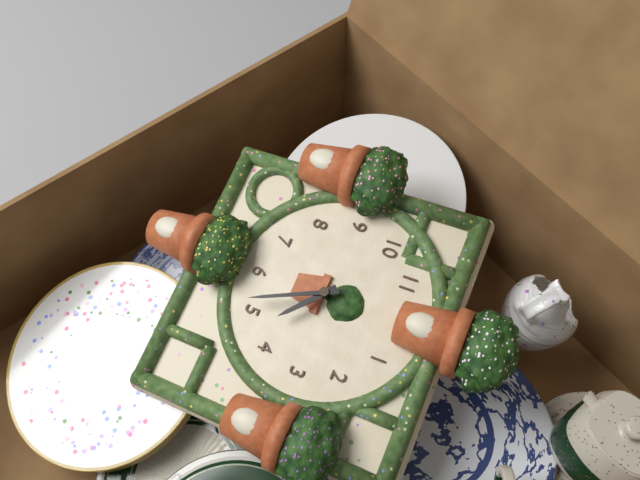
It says **4:26**
